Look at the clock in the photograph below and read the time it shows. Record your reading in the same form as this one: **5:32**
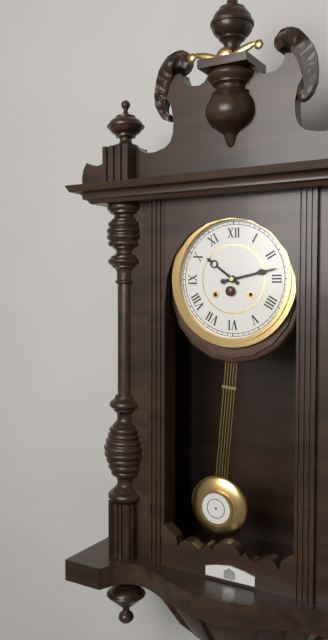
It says **10:13**
